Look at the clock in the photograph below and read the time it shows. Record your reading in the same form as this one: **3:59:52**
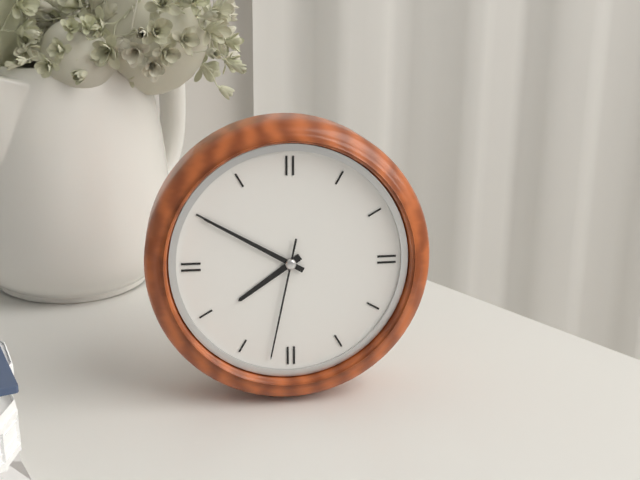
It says **7:50:32**
